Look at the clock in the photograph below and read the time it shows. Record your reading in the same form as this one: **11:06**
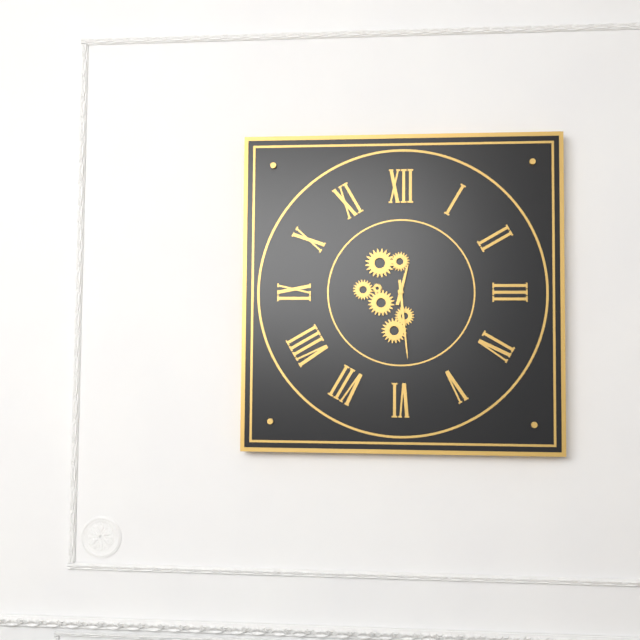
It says **12:29**
